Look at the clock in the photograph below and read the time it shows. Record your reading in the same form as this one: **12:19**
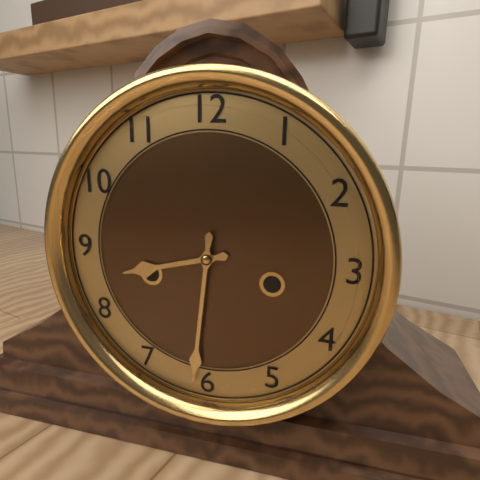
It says **8:31**
